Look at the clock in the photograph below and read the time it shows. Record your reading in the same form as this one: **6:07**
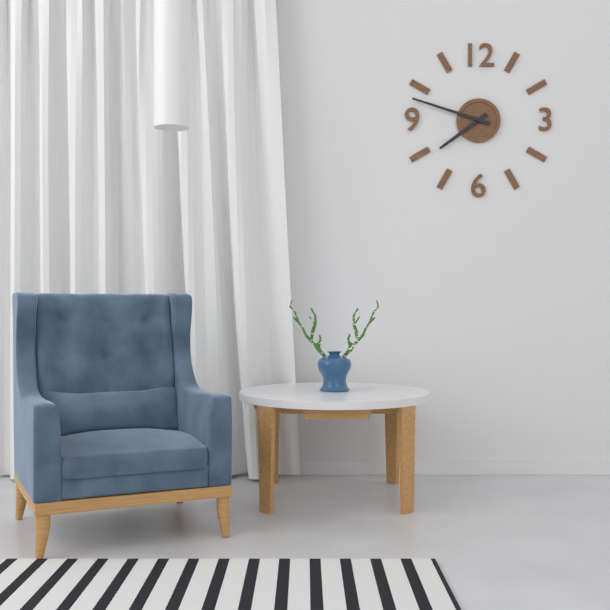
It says **7:48**
